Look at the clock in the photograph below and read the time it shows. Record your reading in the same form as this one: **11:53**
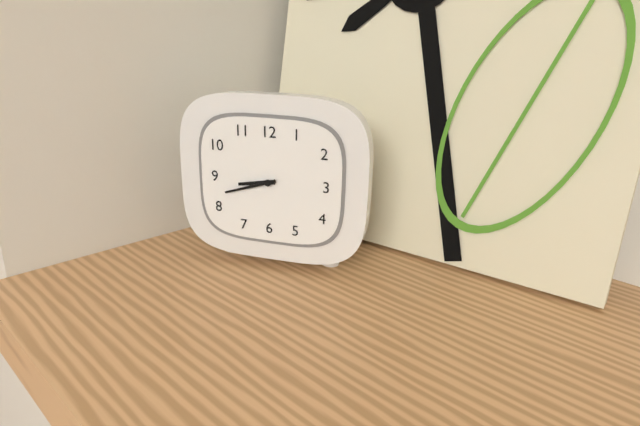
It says **8:42**
